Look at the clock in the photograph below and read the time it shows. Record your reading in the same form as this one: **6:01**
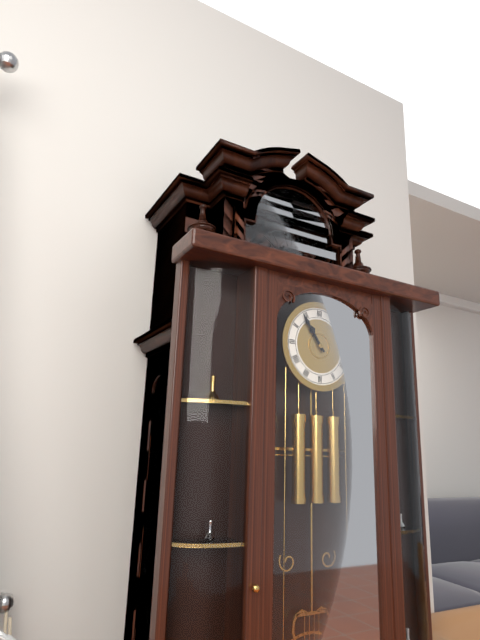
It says **10:54**
